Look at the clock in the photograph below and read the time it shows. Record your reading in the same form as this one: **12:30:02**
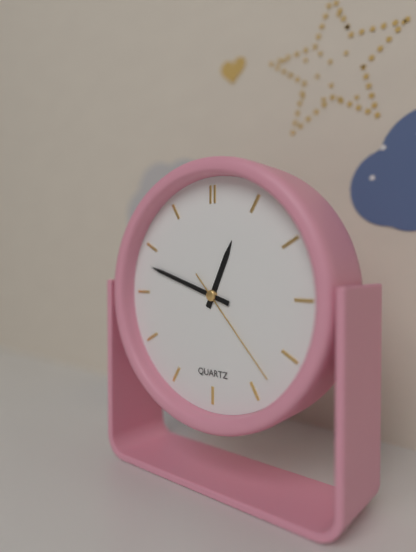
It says **12:48:23**
